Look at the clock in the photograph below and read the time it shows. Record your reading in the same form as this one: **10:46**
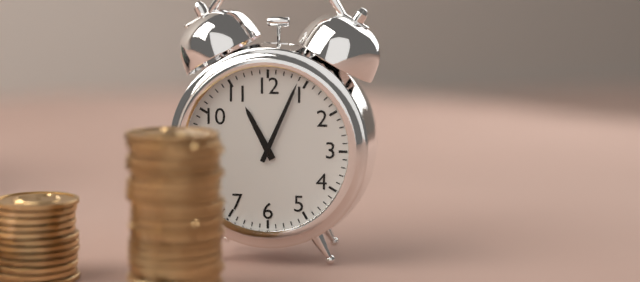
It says **11:04**
